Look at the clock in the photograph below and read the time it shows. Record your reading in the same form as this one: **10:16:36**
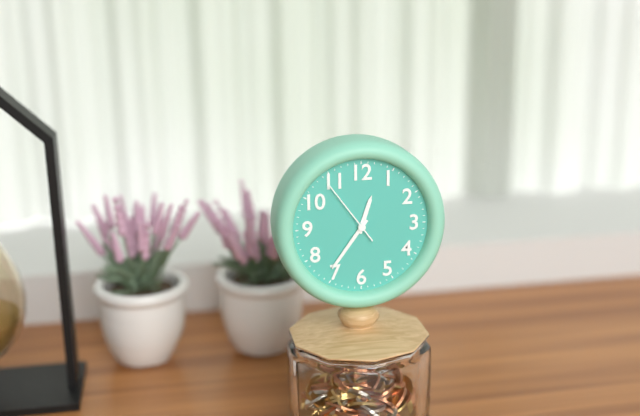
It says **12:36:54**
